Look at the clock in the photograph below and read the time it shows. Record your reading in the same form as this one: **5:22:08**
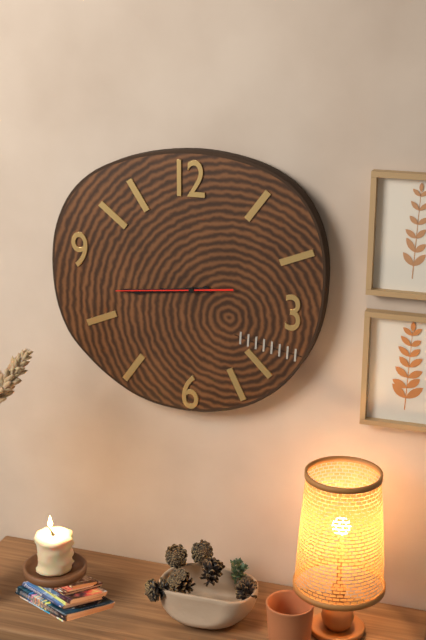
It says **8:44:44**
